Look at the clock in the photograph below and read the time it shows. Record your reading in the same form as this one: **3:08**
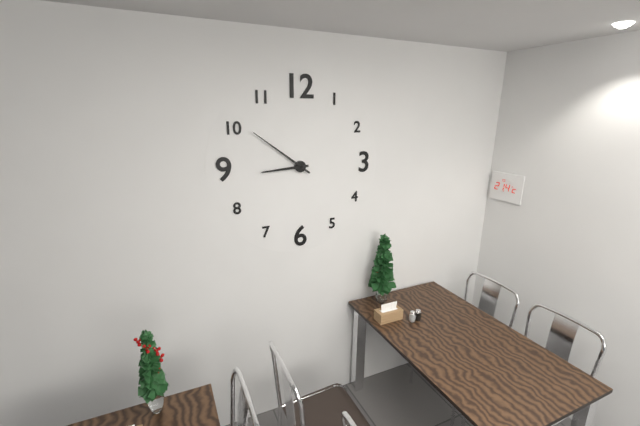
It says **8:51**
